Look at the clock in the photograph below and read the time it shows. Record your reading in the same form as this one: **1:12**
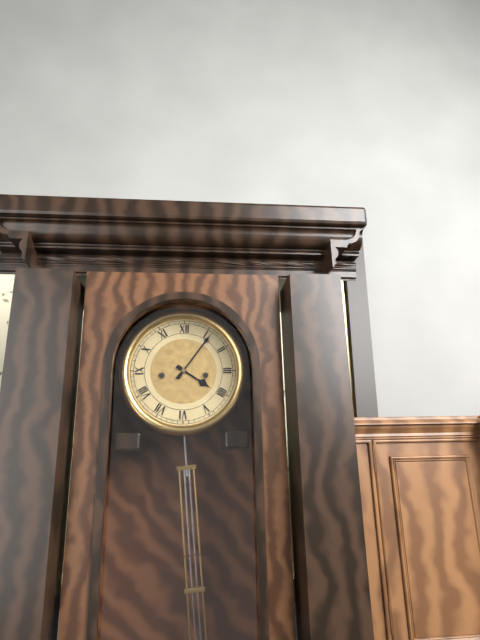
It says **4:06**
